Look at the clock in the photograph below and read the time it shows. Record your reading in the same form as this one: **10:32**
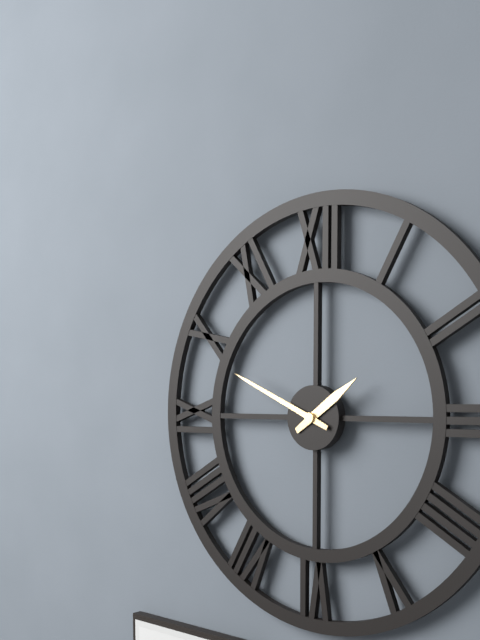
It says **1:49**
